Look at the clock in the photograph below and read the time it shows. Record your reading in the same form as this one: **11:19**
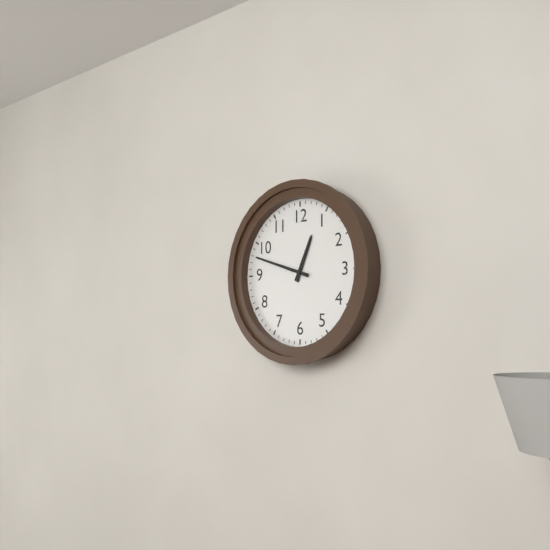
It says **12:48**
